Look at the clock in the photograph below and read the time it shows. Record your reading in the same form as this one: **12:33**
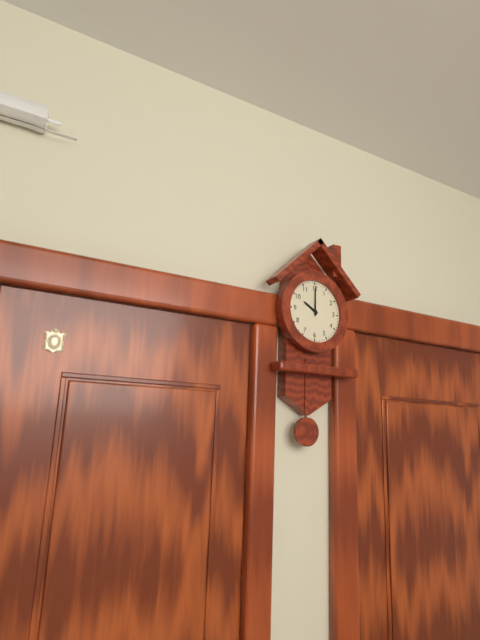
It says **10:00**
